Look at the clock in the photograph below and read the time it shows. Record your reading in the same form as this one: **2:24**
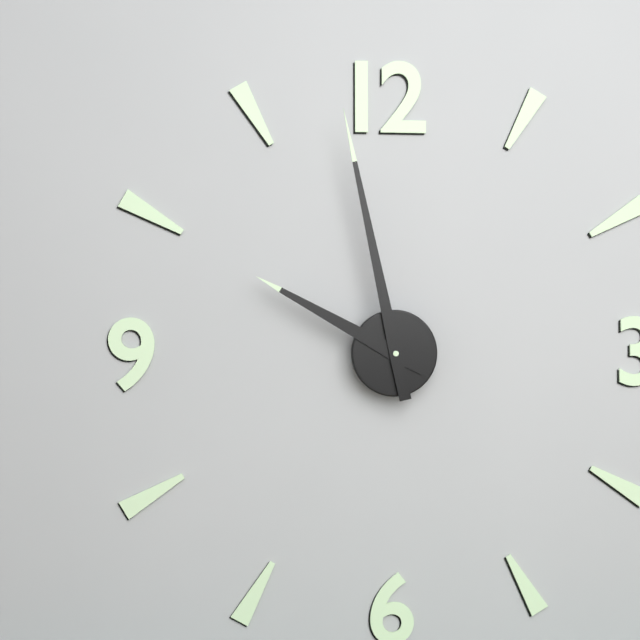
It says **9:58**
